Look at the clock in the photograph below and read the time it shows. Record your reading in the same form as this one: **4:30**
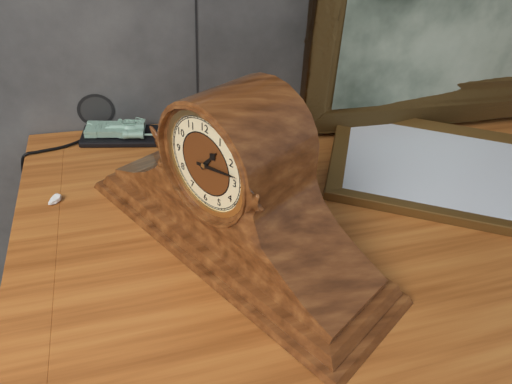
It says **1:13**
